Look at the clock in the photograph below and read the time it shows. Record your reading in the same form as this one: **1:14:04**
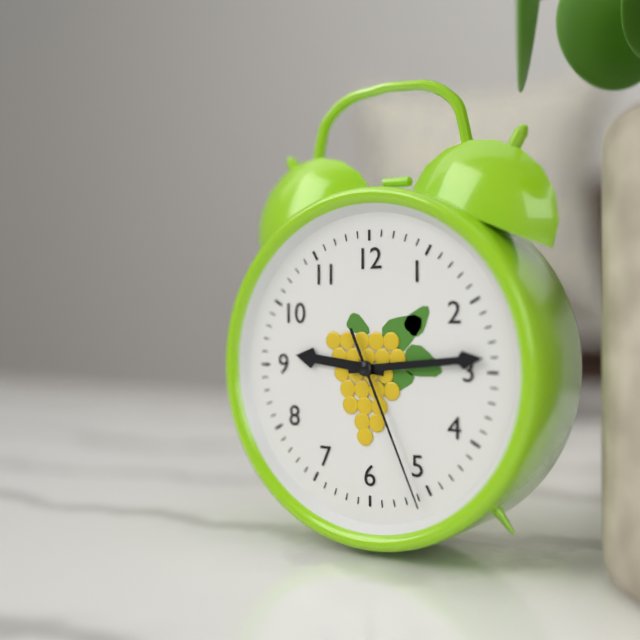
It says **9:14:26**
